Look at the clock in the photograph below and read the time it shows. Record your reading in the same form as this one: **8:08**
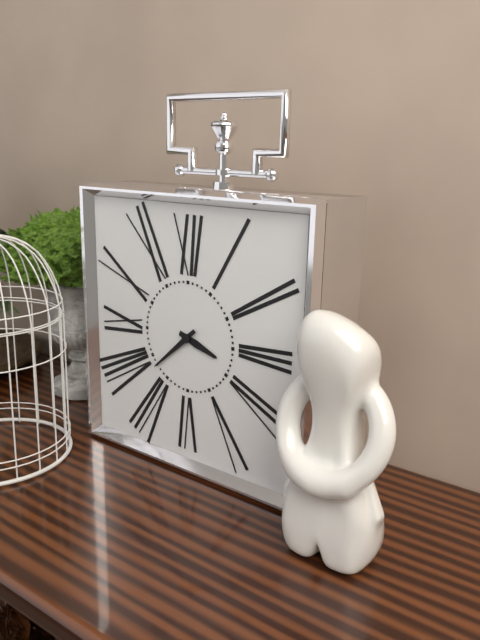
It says **3:38**
